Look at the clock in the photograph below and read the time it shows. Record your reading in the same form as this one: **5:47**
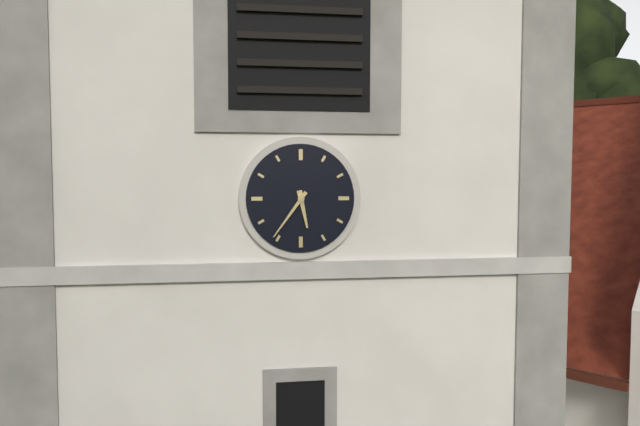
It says **5:36**
